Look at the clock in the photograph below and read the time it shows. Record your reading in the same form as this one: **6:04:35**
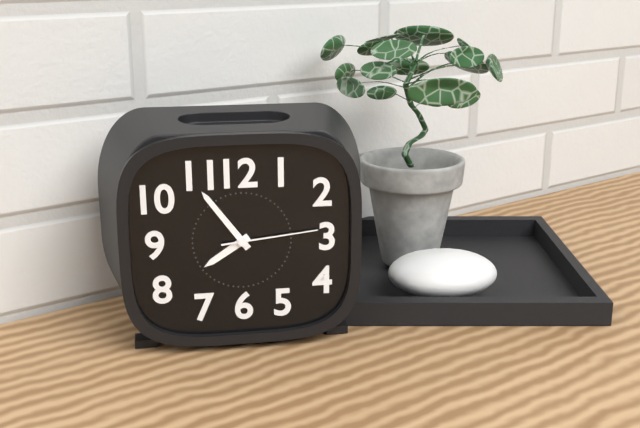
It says **7:54:14**
